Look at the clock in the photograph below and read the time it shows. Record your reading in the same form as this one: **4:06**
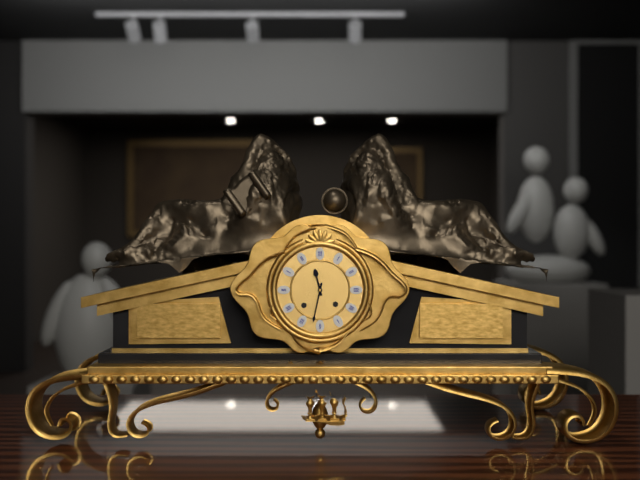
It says **11:32**
